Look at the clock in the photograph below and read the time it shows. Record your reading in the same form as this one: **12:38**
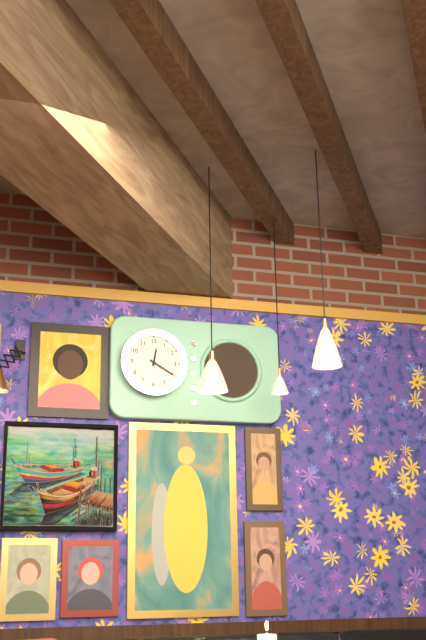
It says **12:20**
